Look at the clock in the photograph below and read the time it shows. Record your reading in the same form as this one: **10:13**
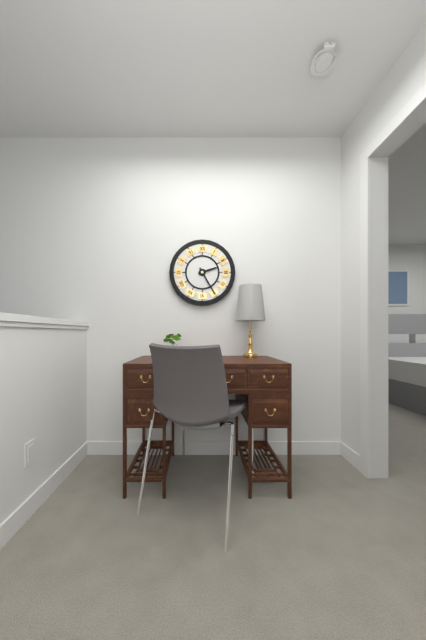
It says **2:25**
